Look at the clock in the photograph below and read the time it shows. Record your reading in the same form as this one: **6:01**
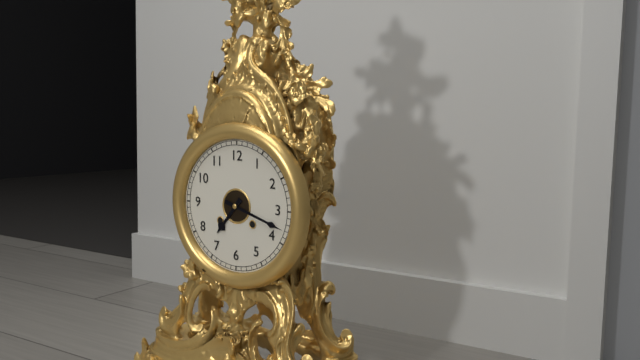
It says **7:18**
